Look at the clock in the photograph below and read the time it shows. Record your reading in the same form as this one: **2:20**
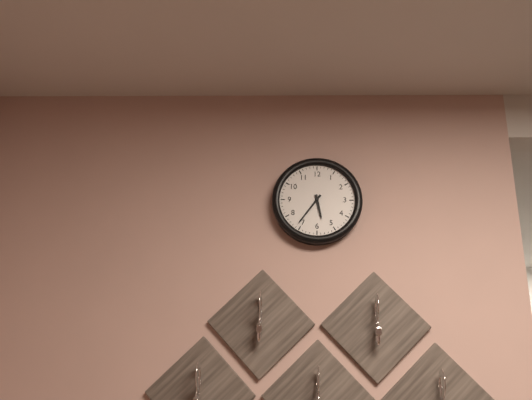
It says **5:36**
